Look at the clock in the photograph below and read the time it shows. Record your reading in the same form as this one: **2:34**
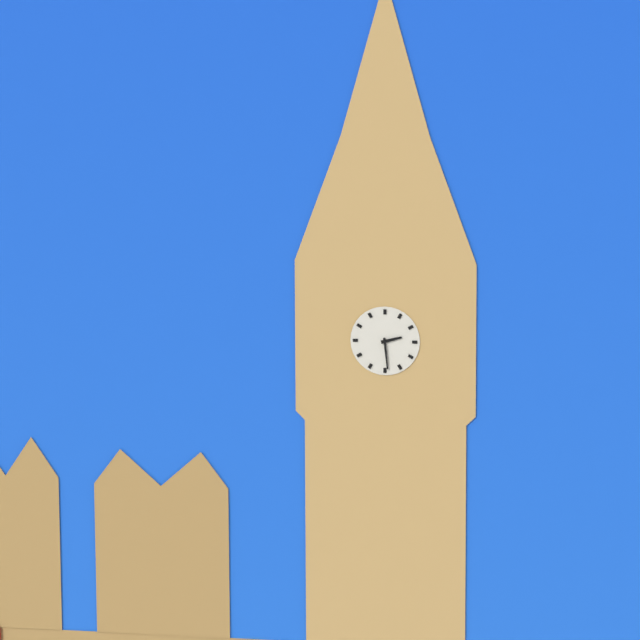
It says **2:29**
